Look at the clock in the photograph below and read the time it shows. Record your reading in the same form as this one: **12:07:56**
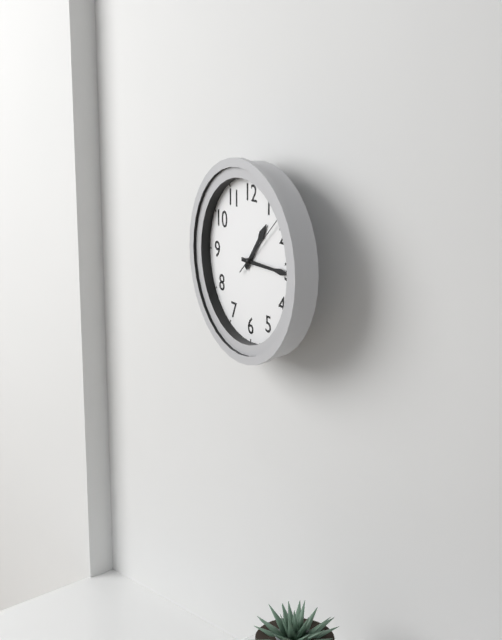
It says **1:15:08**
